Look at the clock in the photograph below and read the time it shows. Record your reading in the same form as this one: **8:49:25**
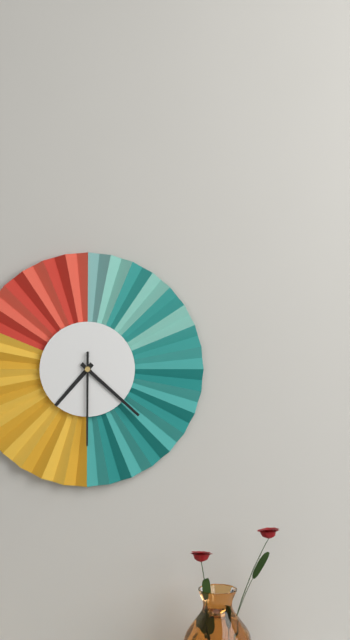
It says **7:22:30**
